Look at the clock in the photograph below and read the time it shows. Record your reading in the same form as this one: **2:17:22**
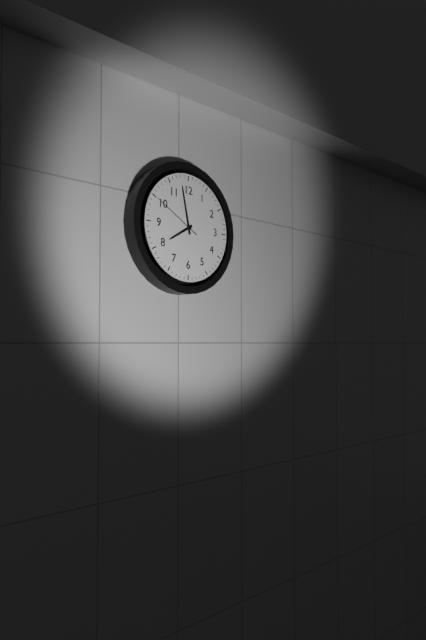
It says **7:58:50**
